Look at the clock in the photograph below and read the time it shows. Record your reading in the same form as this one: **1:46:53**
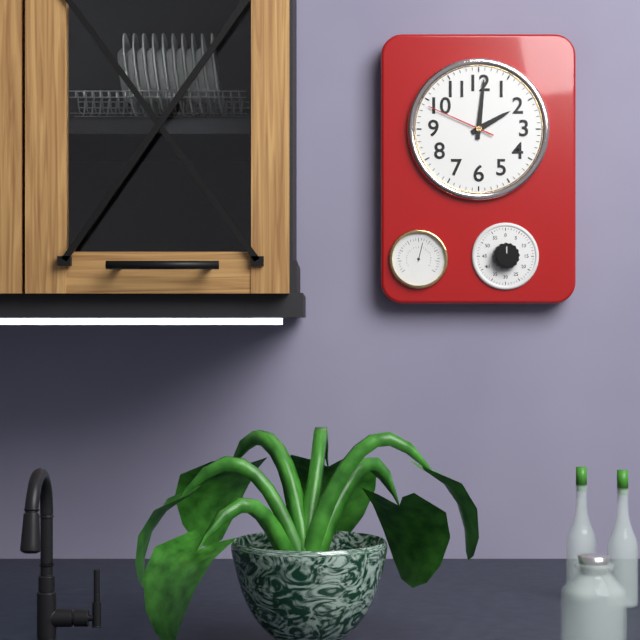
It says **2:01:49**
